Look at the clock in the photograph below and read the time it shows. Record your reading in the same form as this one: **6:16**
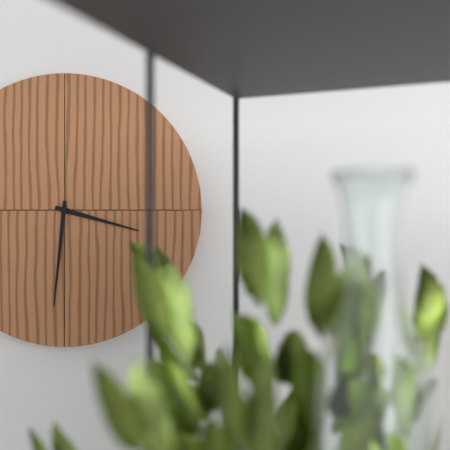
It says **3:31**
